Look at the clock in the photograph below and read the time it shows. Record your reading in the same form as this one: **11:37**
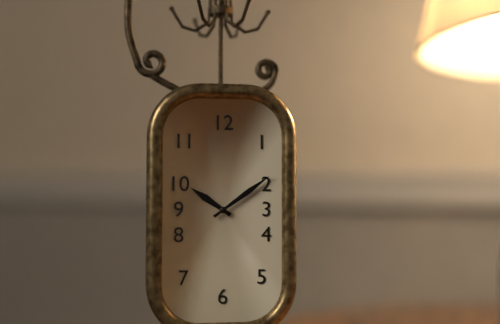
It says **10:09**
